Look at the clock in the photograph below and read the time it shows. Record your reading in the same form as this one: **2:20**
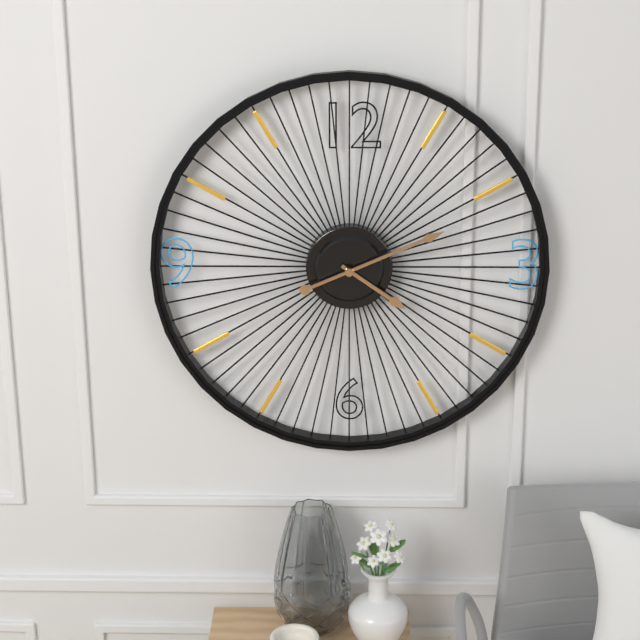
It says **4:11**
